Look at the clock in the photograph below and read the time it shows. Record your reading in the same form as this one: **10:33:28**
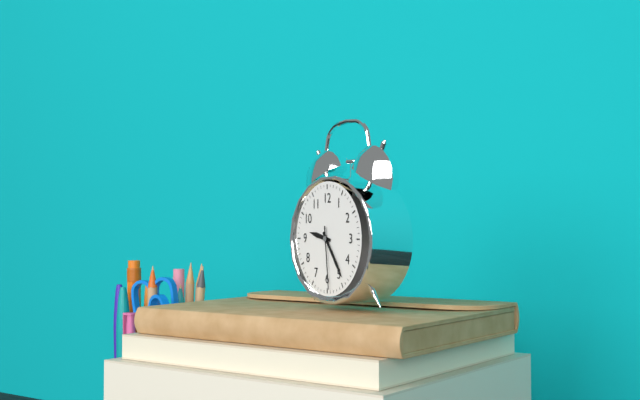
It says **9:24:29**
